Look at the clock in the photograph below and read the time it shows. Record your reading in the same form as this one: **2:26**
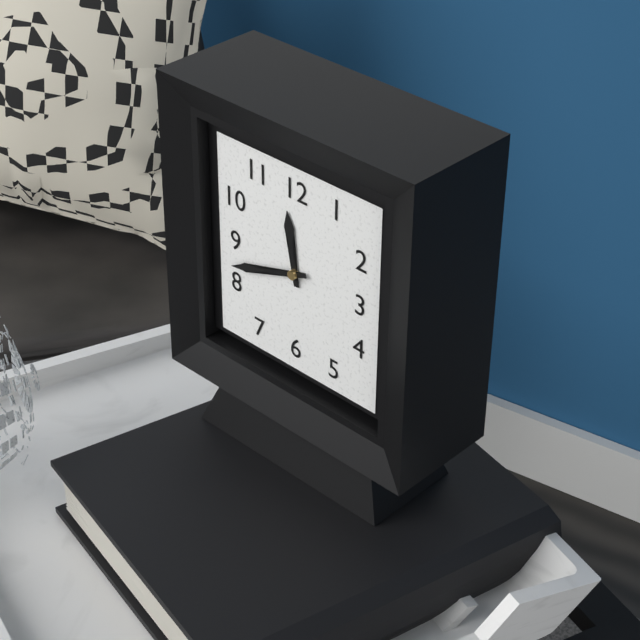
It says **11:42**
